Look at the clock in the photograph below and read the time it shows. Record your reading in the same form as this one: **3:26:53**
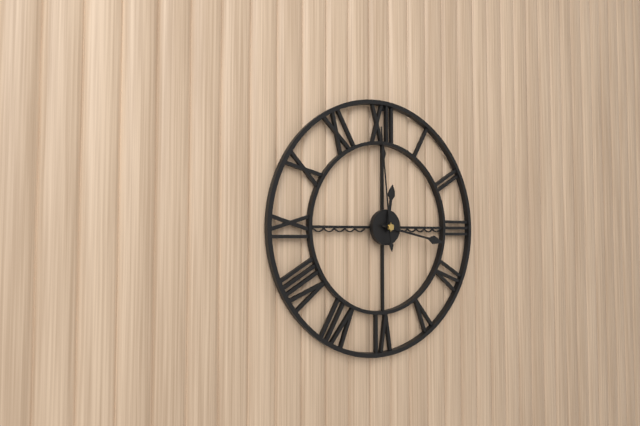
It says **12:17:59**
